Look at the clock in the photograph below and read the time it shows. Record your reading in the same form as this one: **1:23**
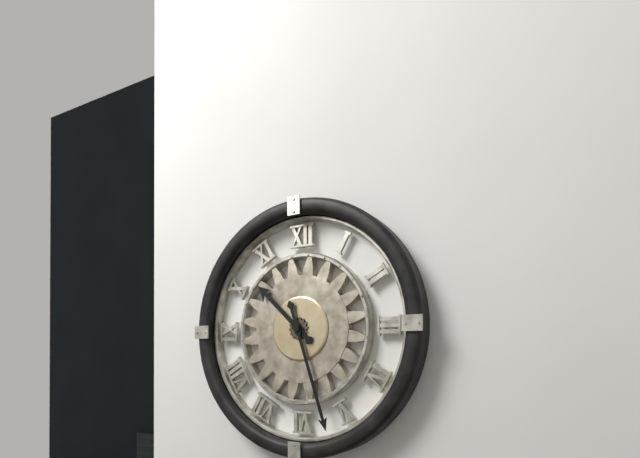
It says **10:27**
